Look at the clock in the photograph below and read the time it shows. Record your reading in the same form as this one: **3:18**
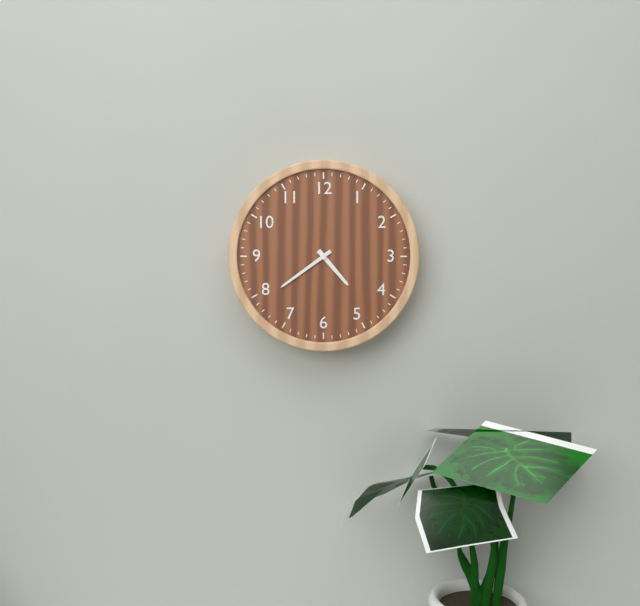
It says **4:39**
